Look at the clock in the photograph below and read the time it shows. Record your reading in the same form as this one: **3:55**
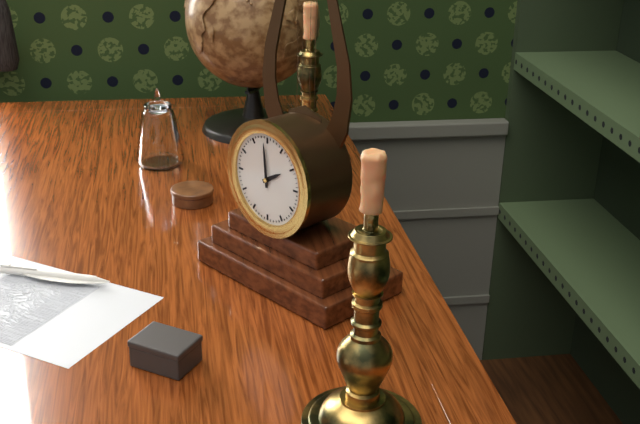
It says **1:59**
